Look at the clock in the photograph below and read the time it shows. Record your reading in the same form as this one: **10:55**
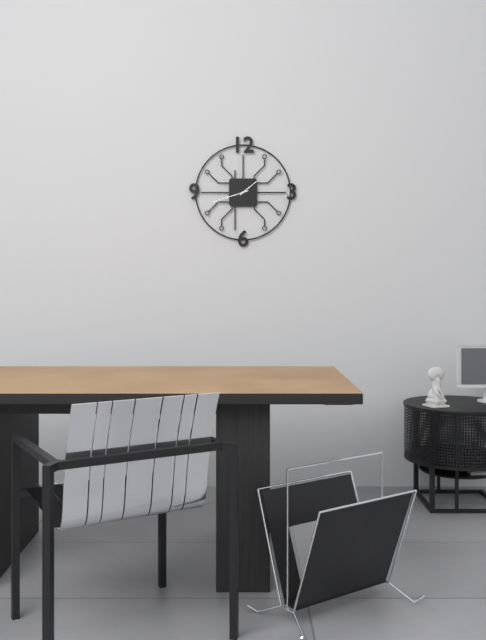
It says **1:42**
